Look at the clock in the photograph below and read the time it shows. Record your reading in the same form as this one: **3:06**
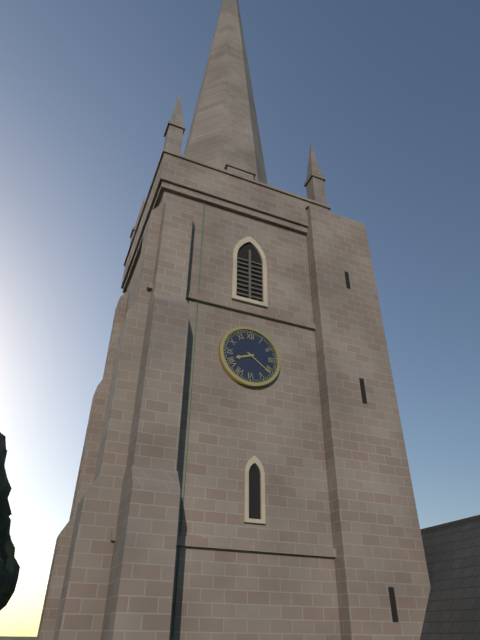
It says **8:21**
